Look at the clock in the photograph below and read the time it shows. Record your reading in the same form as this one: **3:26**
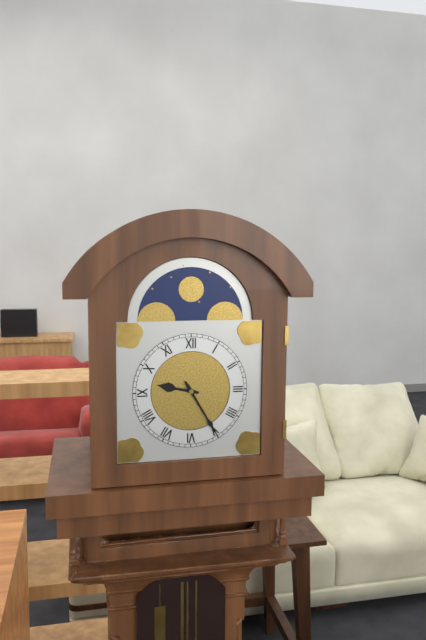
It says **9:25**
